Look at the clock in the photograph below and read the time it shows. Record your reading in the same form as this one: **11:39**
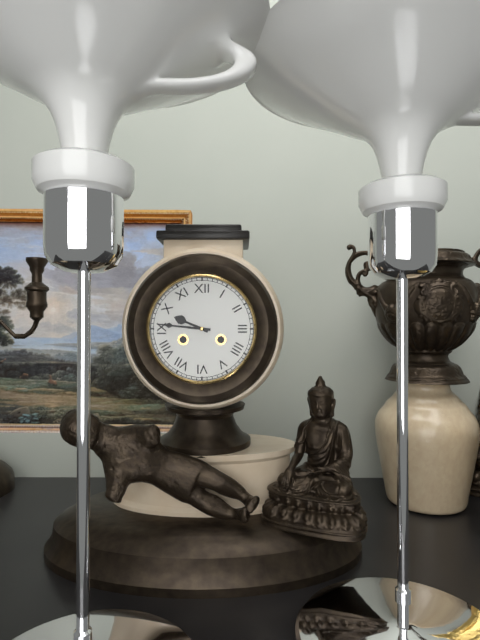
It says **9:46**
